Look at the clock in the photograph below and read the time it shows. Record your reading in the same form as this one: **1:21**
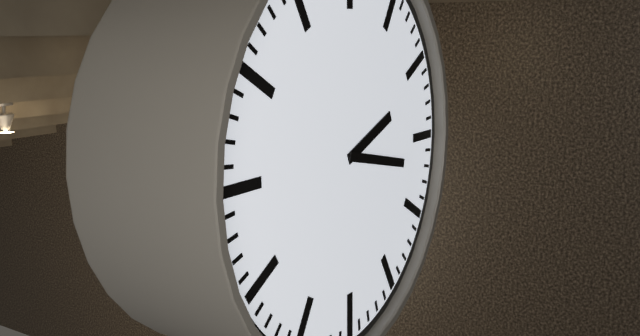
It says **2:17**
